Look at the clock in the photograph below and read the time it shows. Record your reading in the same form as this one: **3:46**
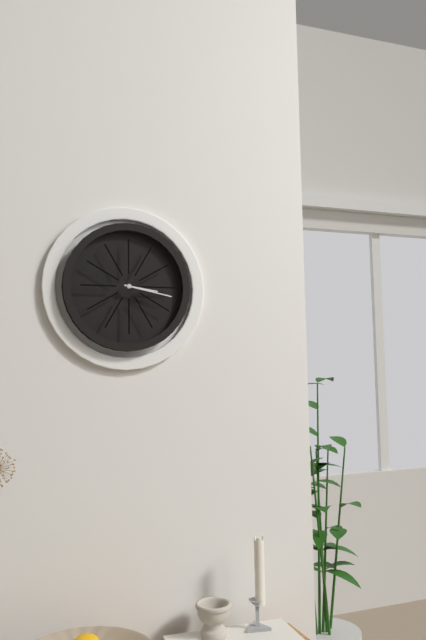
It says **3:17**
